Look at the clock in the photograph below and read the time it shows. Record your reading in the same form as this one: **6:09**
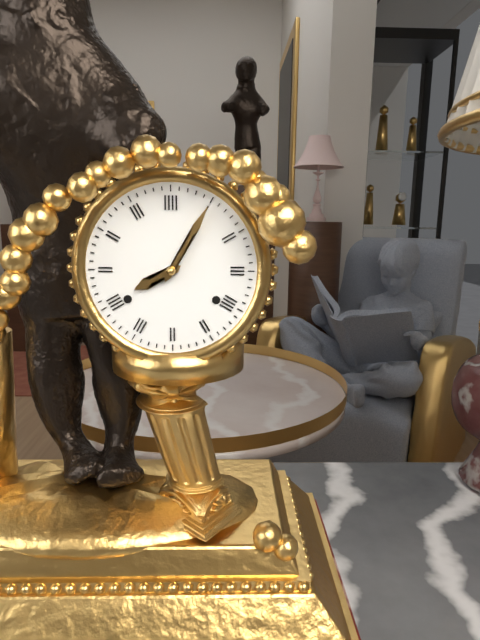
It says **8:05**
